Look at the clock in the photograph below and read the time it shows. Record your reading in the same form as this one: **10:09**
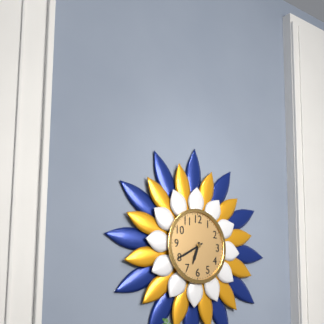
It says **6:40**
